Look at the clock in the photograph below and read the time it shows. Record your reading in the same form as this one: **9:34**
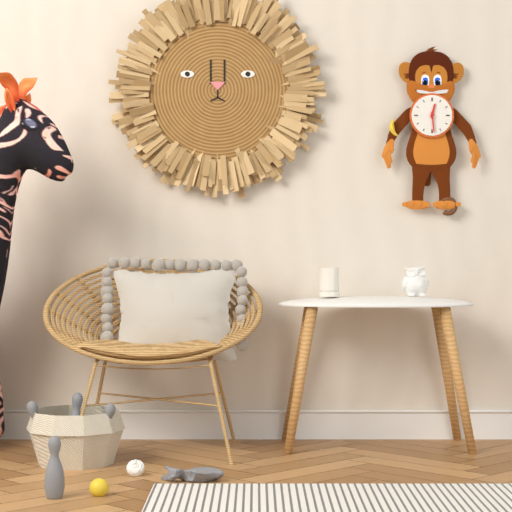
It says **12:29**
